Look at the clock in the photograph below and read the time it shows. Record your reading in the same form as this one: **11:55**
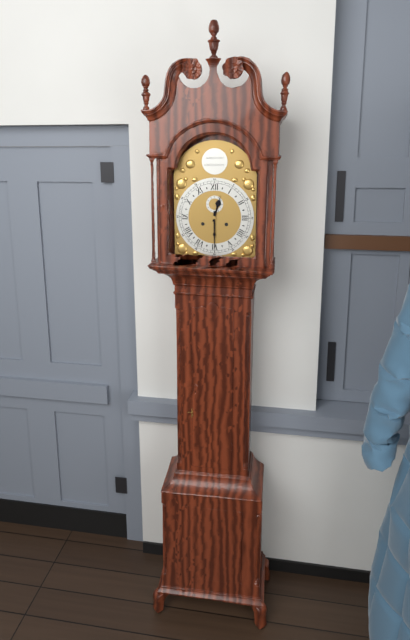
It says **12:30**
